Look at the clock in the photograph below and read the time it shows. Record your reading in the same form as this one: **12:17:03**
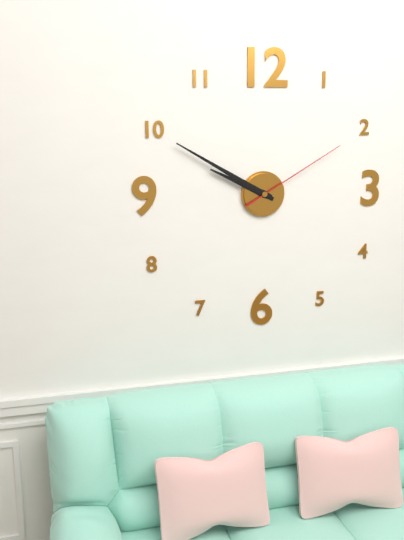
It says **9:50:10**
